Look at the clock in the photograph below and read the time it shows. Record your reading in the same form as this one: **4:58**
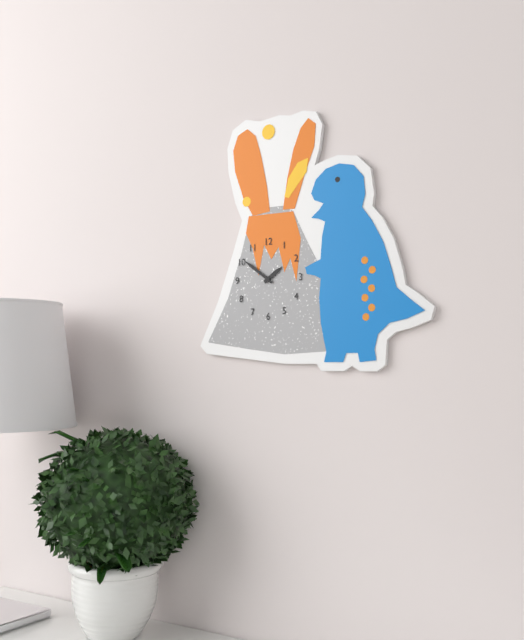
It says **1:51**
